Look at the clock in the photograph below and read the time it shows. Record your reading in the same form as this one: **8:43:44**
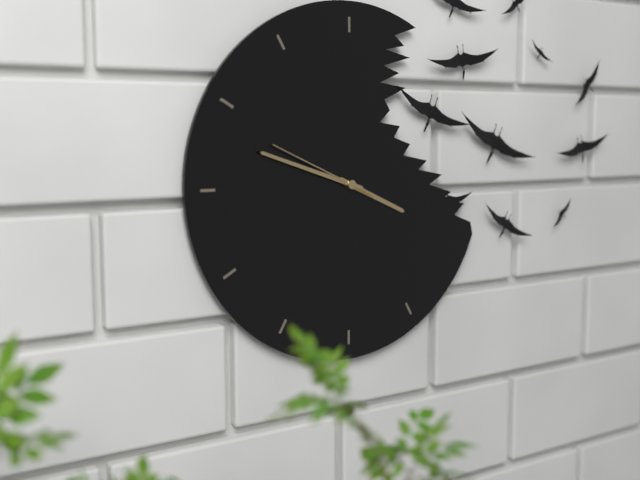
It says **3:48:49**
